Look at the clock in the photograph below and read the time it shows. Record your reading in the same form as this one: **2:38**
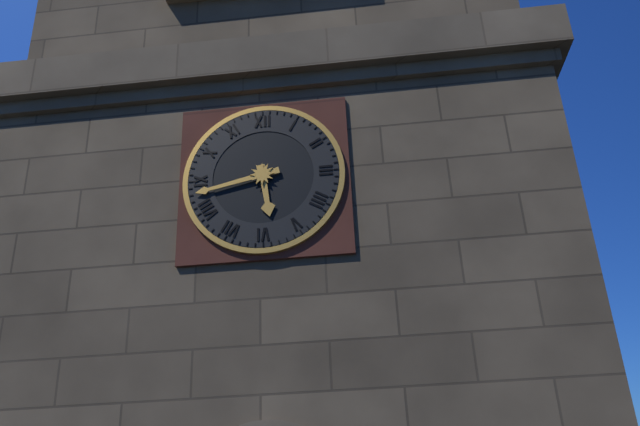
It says **5:43**
